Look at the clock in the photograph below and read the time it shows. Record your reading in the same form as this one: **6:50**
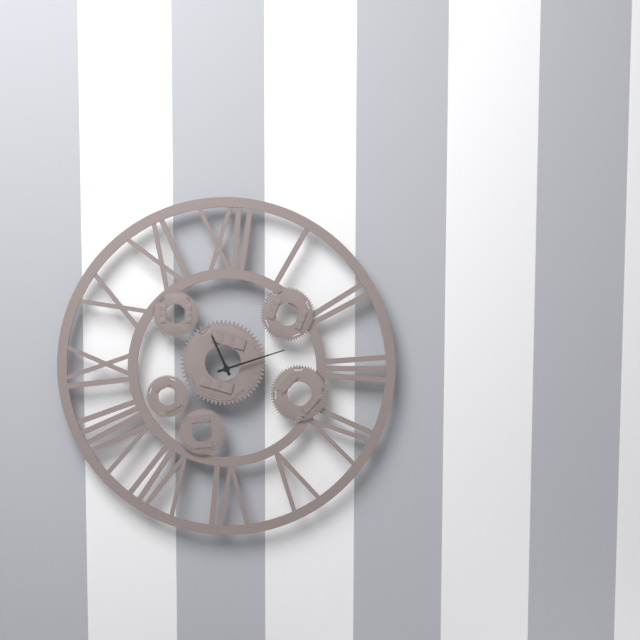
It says **11:12**
